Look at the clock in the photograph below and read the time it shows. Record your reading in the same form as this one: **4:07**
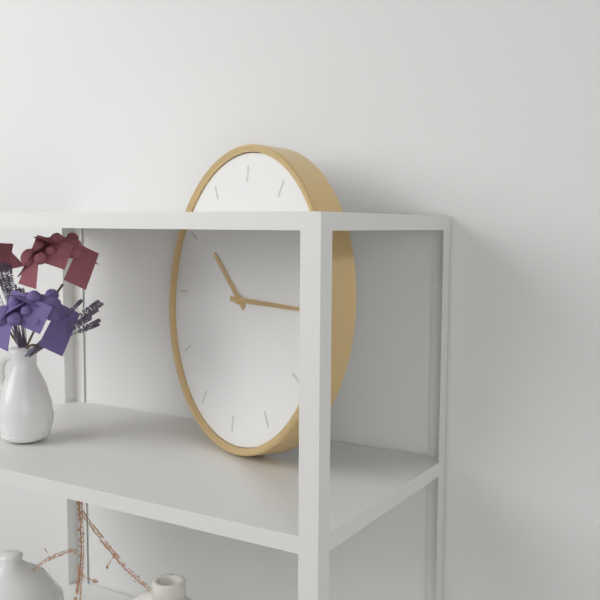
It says **10:15**
